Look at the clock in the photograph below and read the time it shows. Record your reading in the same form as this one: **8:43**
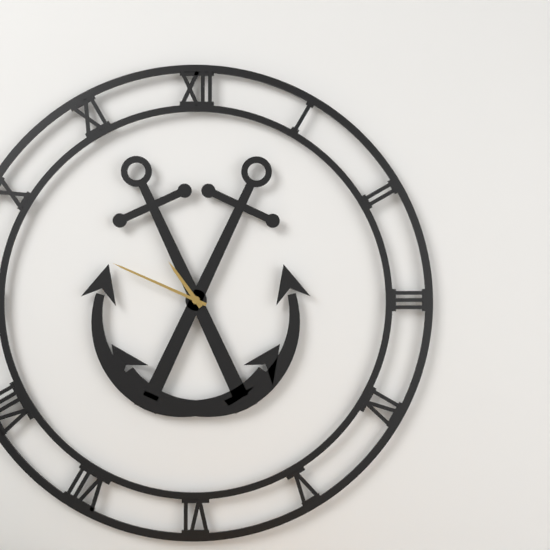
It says **10:49**
